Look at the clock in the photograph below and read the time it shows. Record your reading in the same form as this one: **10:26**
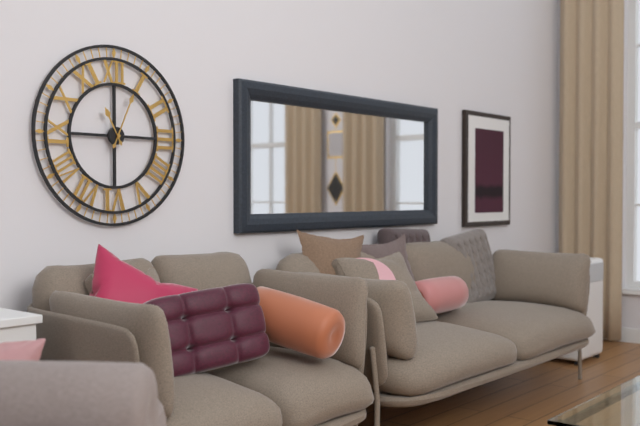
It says **11:04**
